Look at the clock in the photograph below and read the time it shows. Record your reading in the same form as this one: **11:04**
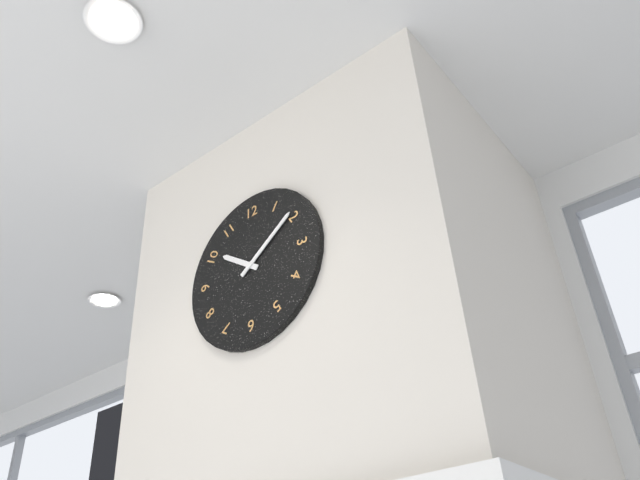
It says **10:09**
